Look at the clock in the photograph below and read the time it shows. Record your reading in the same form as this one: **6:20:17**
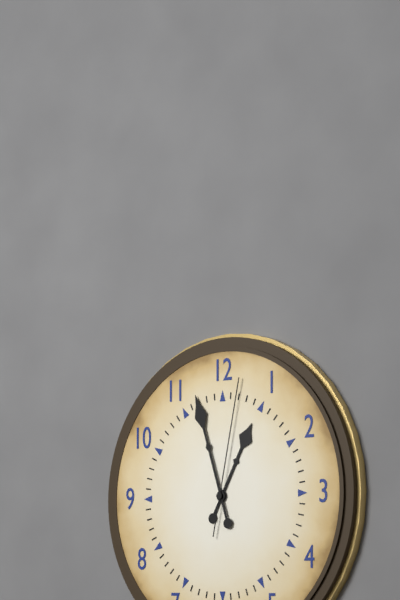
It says **12:57:02**
